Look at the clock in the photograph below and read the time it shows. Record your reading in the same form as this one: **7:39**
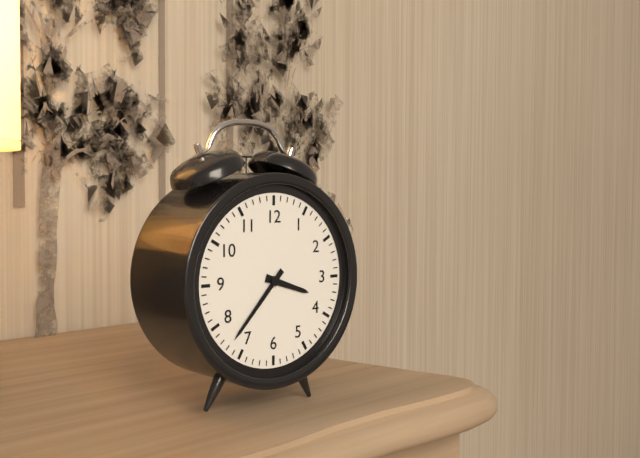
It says **3:37**
